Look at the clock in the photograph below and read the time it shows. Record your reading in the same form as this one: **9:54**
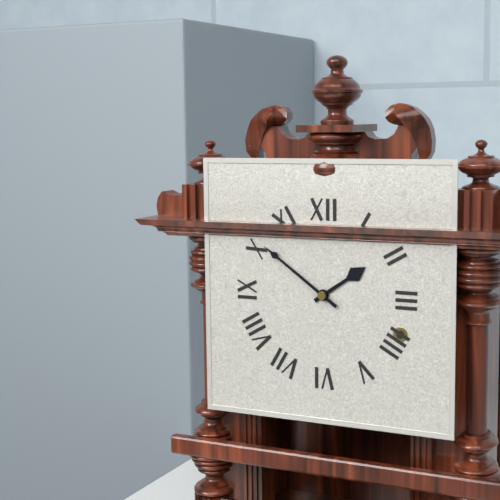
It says **1:51**
